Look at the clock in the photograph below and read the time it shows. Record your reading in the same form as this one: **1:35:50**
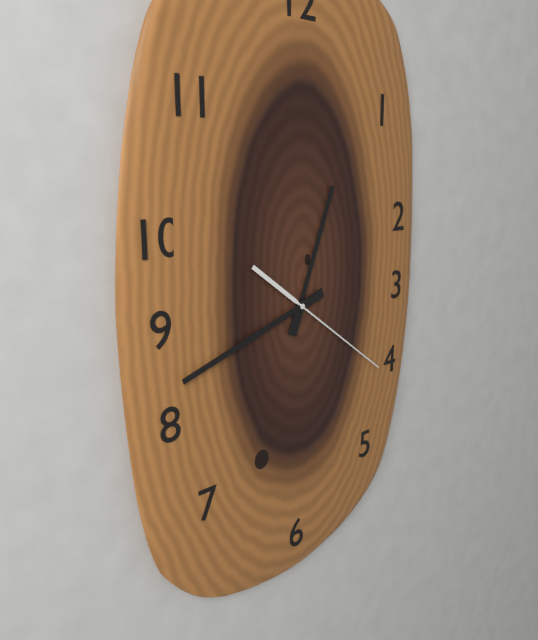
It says **12:42:21**
